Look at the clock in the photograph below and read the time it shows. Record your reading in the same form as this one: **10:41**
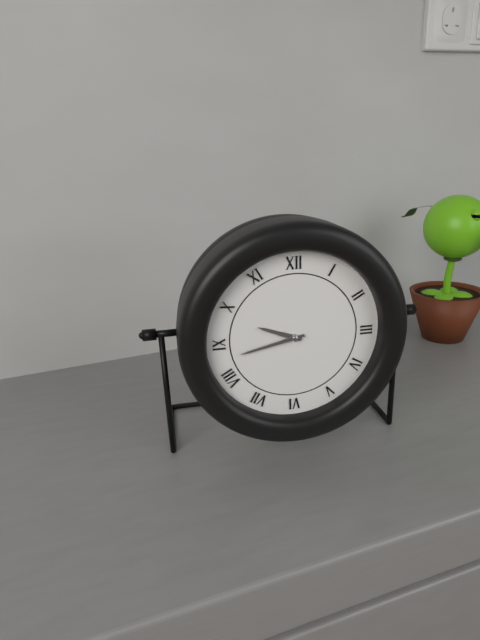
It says **9:43**
